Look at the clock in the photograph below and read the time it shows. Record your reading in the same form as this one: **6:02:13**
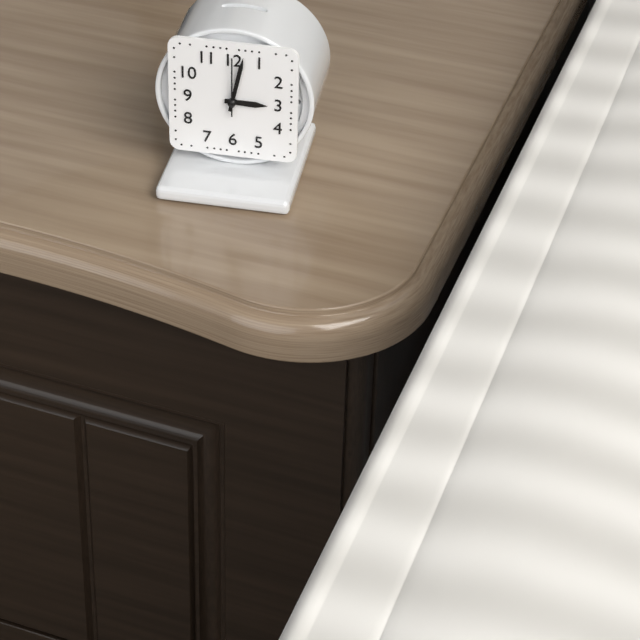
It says **3:02:00**
